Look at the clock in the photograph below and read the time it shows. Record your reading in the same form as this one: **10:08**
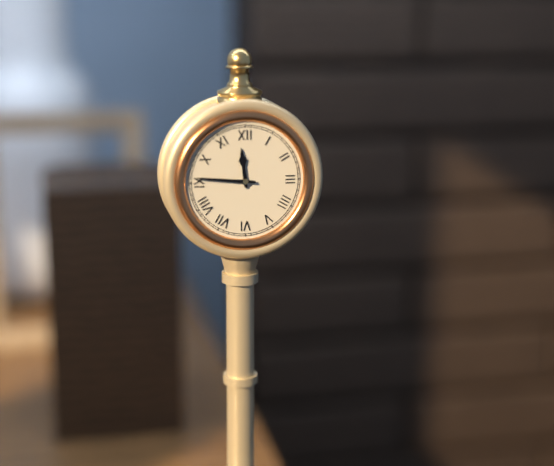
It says **11:46**
